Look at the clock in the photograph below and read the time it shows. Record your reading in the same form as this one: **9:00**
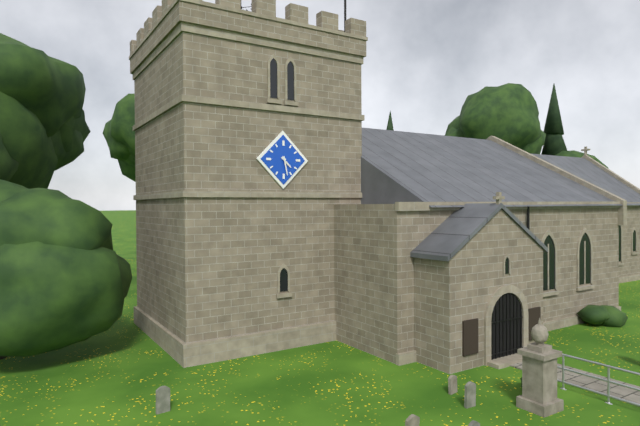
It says **4:28**
